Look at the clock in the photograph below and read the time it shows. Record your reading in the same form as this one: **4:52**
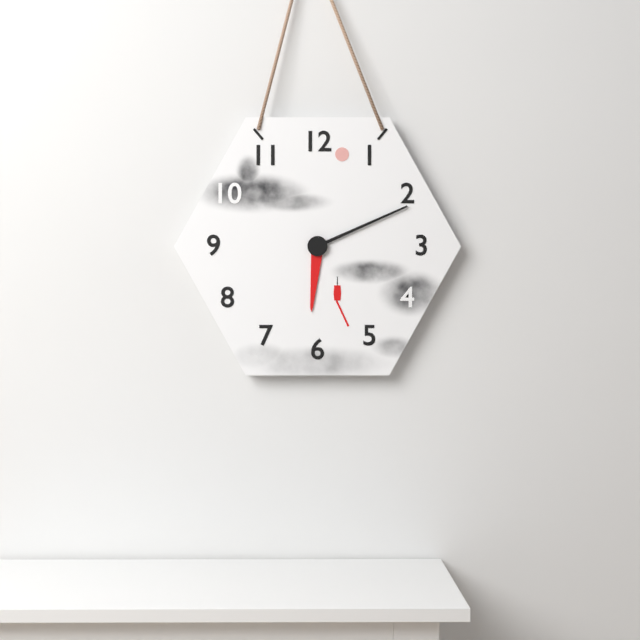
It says **6:11**
